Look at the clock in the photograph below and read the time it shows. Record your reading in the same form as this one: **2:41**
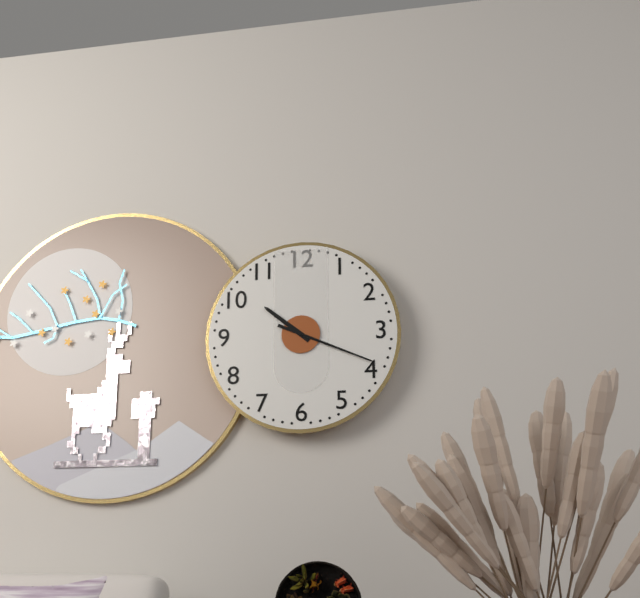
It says **10:19**
